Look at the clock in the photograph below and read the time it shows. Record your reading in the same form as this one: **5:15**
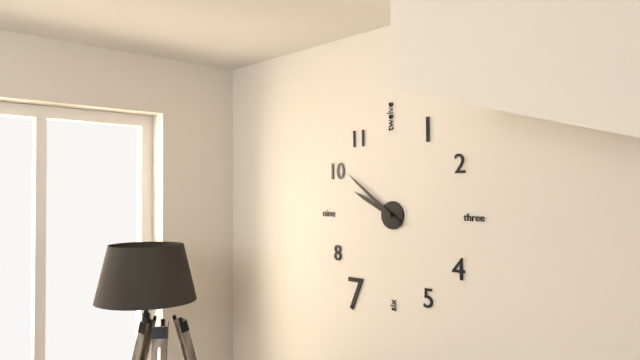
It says **9:51**
